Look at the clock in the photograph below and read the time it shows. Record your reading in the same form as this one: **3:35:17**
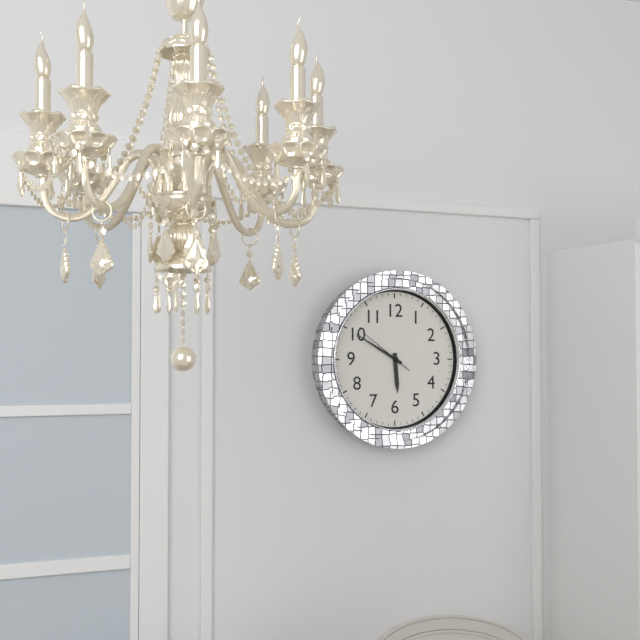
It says **5:50:51**
